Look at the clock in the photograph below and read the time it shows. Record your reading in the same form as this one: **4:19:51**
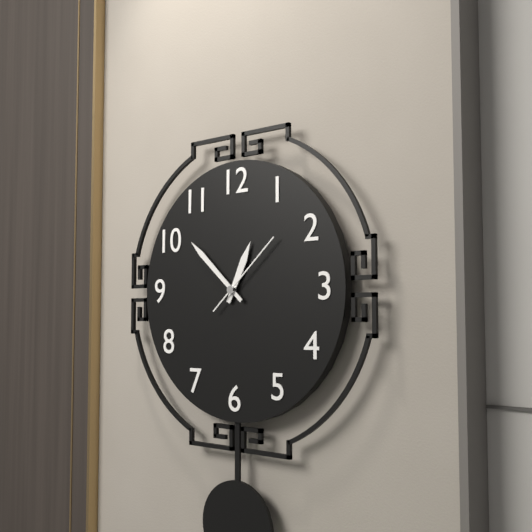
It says **12:52:08**
